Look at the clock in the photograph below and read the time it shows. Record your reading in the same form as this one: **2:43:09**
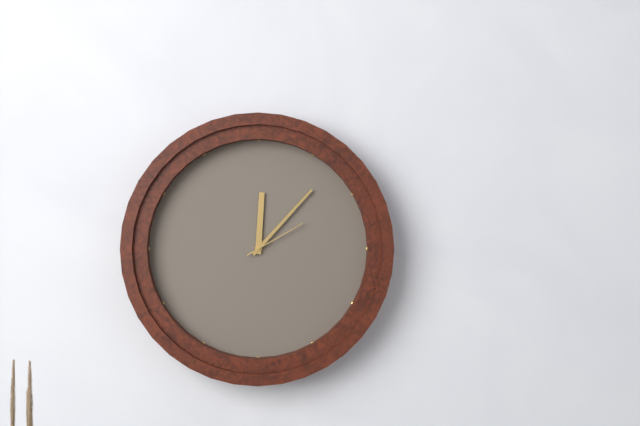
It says **12:07:10**
